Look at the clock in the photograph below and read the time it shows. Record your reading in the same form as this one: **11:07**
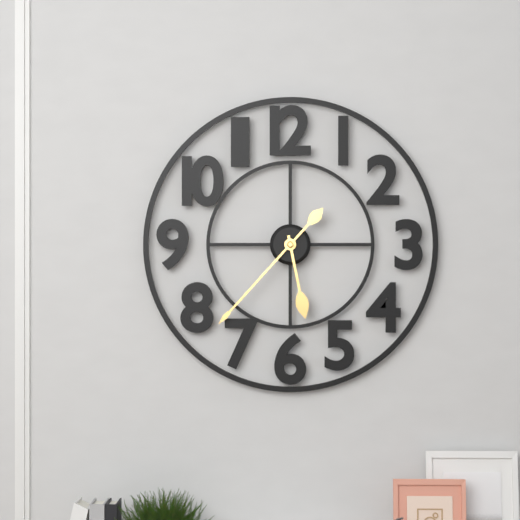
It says **5:37**
